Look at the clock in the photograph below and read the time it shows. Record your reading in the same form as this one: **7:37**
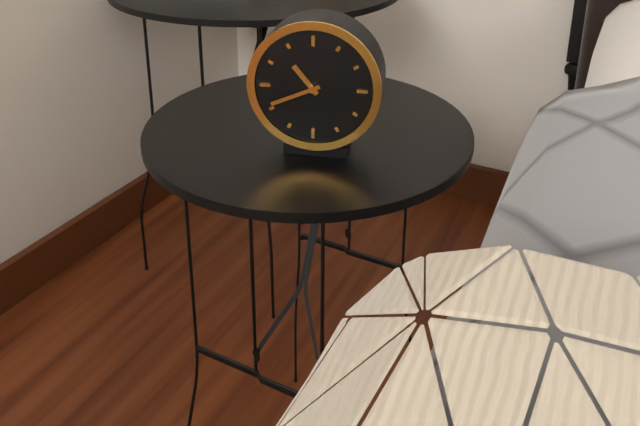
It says **10:41**
